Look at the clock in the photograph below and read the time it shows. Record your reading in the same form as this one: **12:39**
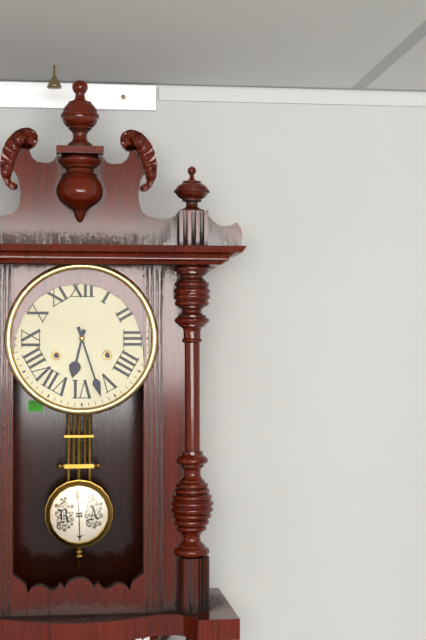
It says **6:27**
